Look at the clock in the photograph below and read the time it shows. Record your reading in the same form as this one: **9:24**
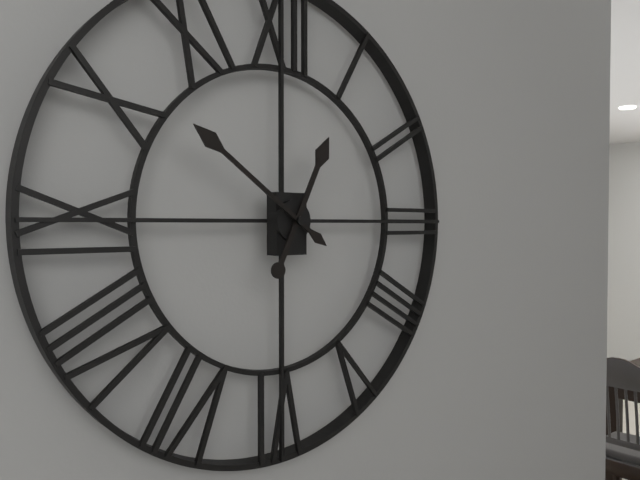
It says **12:51**
